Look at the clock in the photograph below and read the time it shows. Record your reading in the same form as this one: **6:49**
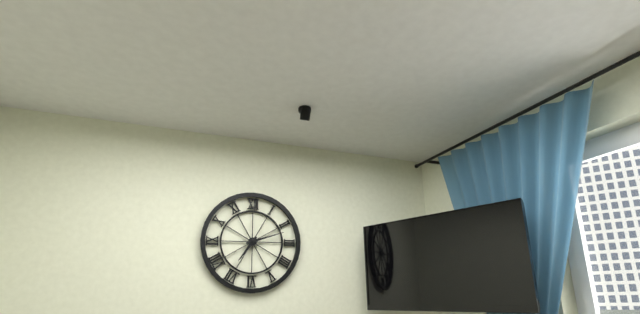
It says **7:12**
